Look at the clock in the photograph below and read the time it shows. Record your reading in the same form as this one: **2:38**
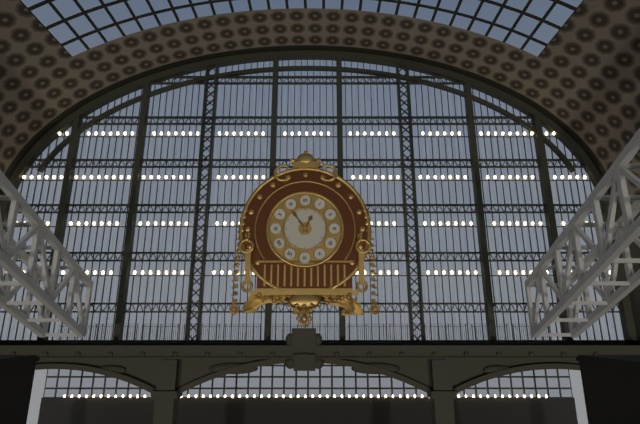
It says **12:54**
